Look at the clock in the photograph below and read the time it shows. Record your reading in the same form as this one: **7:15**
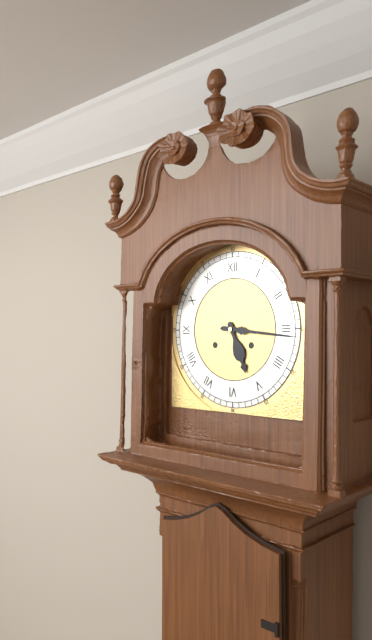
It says **5:16**
